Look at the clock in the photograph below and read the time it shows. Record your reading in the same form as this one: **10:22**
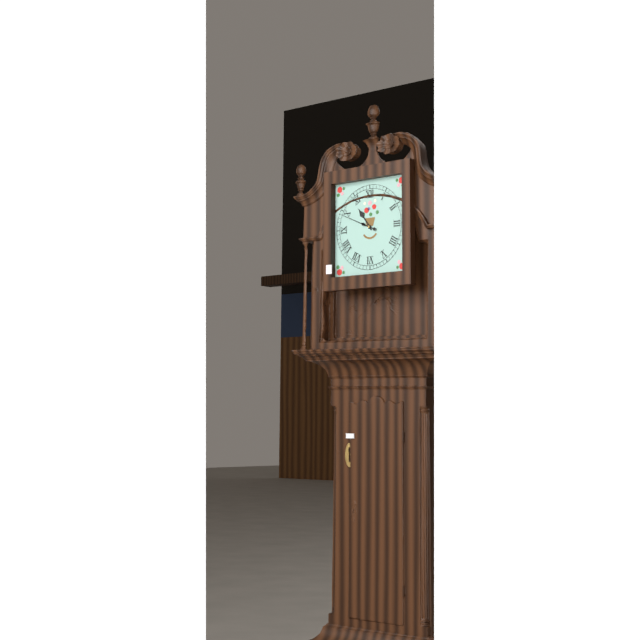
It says **10:49**
